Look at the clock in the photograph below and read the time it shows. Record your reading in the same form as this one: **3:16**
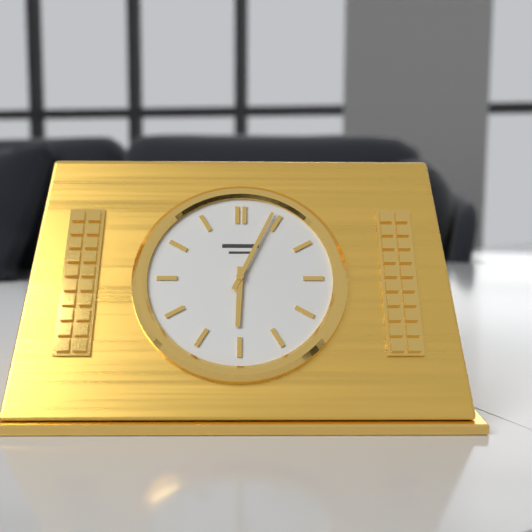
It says **6:04**
